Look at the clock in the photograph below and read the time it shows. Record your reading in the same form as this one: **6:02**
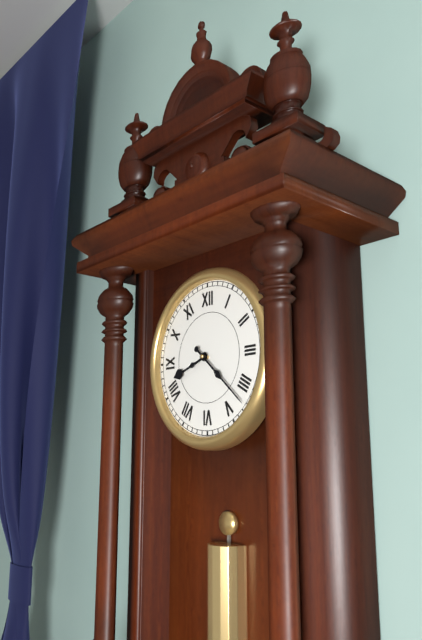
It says **8:22**
